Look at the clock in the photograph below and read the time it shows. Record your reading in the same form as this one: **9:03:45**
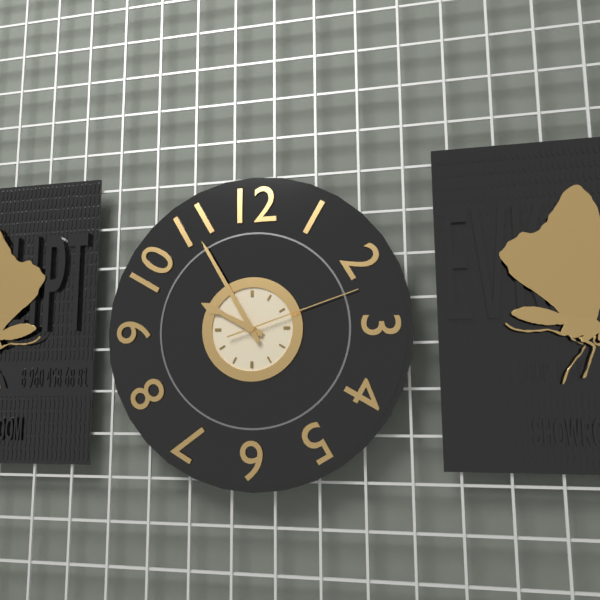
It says **9:55:12**
